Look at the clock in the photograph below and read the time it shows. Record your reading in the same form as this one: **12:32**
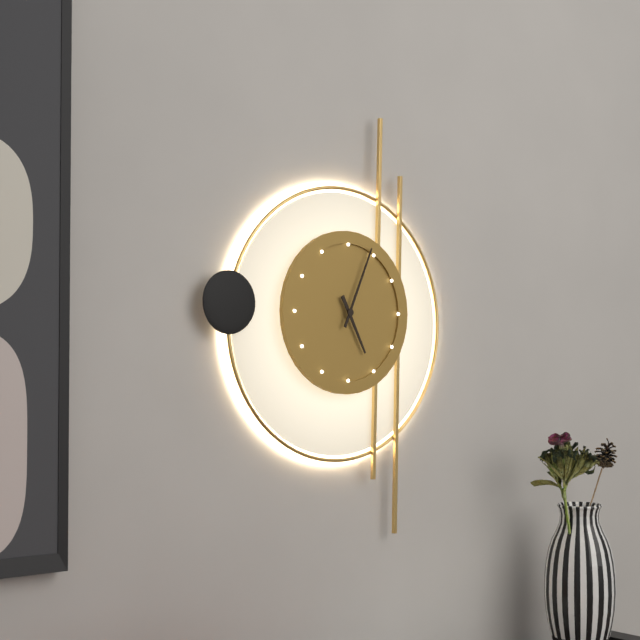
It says **5:04**
